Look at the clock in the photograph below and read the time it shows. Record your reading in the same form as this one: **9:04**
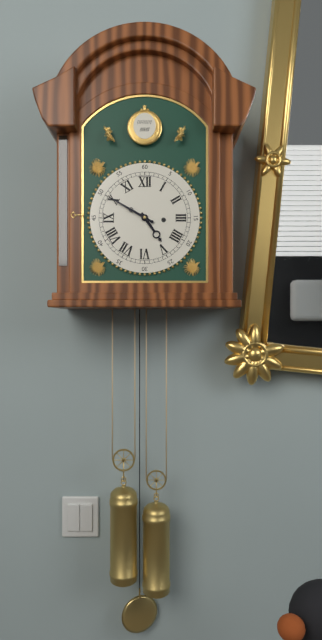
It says **4:50**
